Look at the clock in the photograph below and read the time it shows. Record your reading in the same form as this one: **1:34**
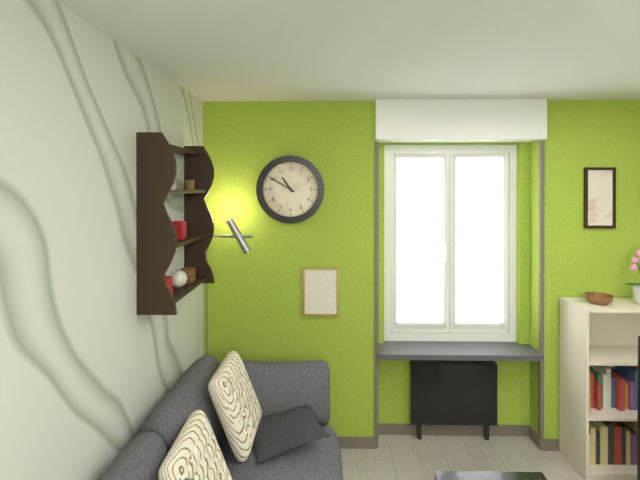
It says **10:50**
